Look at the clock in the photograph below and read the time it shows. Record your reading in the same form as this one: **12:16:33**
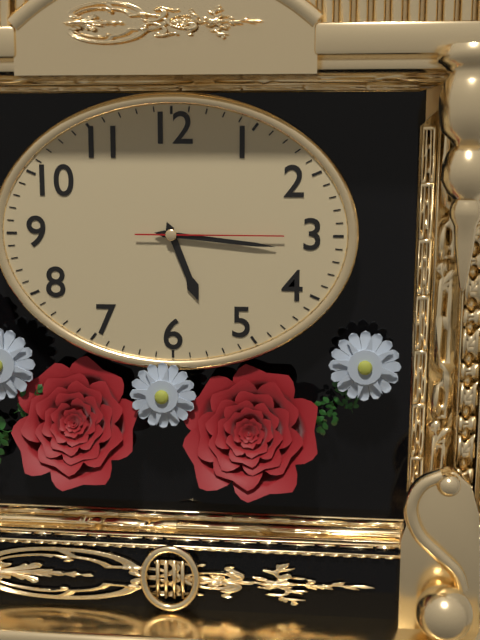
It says **5:16:15**
